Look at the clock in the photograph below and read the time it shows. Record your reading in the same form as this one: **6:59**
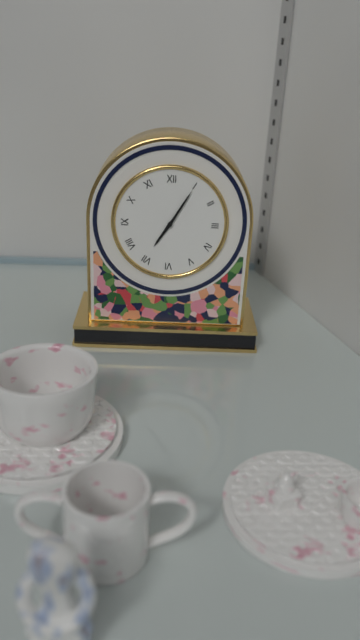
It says **7:05**
